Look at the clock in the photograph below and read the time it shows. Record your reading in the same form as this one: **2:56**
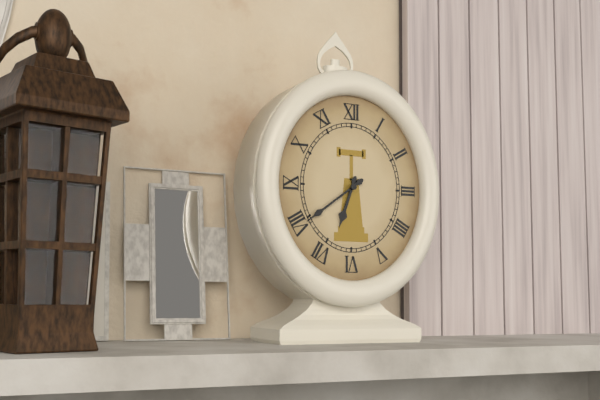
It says **6:39**
